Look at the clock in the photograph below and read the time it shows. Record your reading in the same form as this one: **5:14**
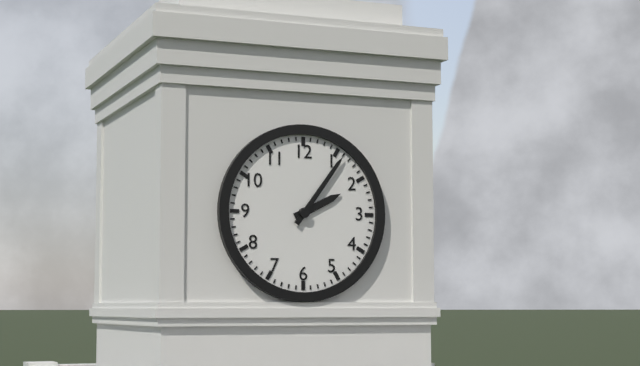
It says **2:06**
